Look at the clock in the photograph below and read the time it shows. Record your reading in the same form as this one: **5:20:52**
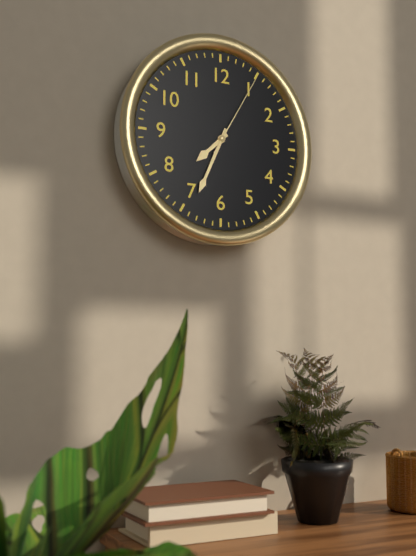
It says **7:34:05**
